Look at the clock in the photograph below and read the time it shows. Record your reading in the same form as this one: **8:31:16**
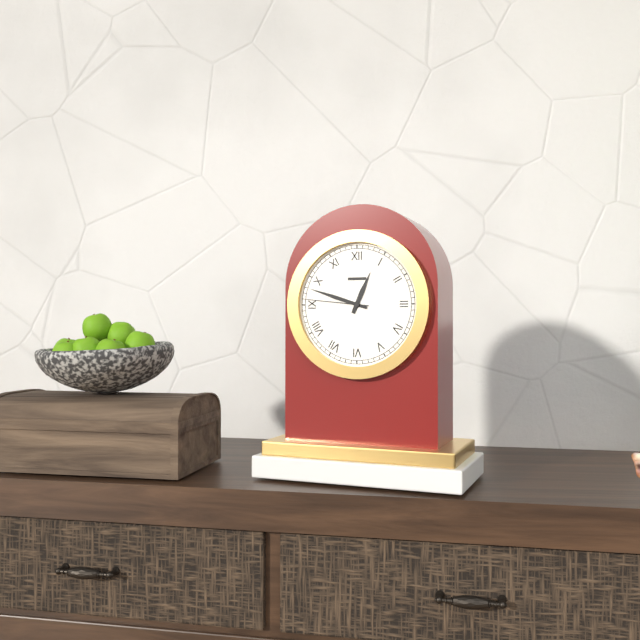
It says **12:48:46**
